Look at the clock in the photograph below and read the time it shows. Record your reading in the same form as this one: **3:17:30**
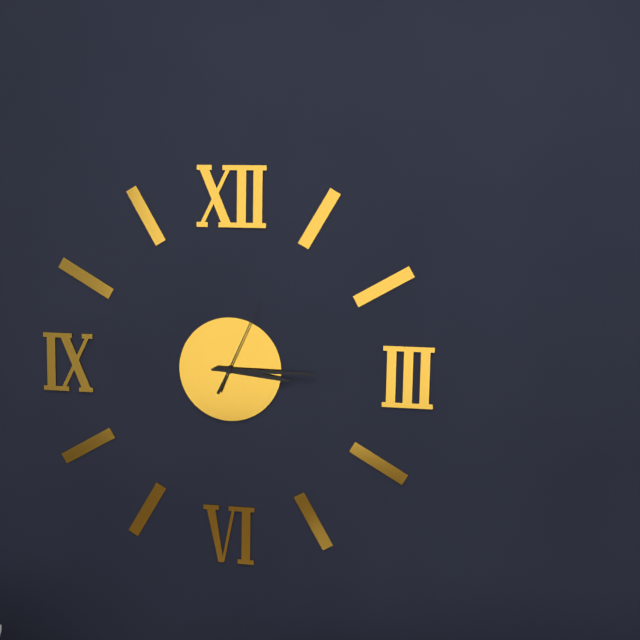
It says **3:15:04**
